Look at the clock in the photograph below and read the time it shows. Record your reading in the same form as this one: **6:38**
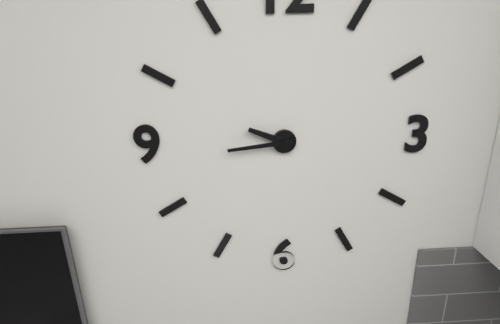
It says **9:44**
